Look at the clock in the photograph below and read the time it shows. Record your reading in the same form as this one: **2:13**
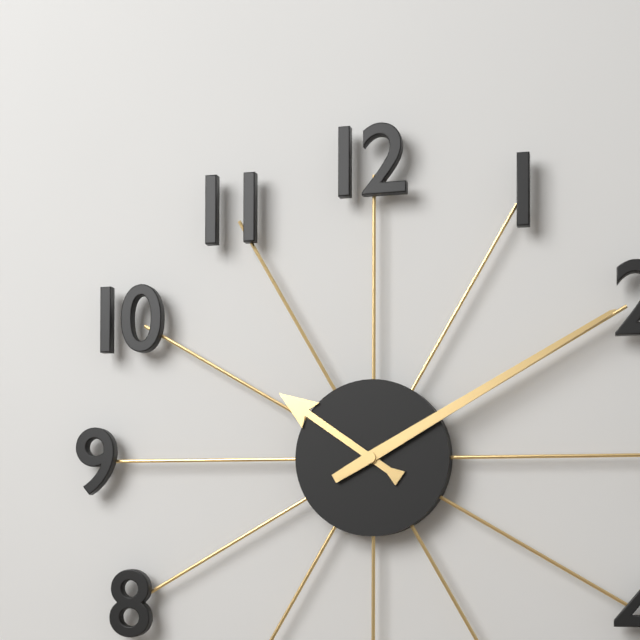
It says **10:10**
